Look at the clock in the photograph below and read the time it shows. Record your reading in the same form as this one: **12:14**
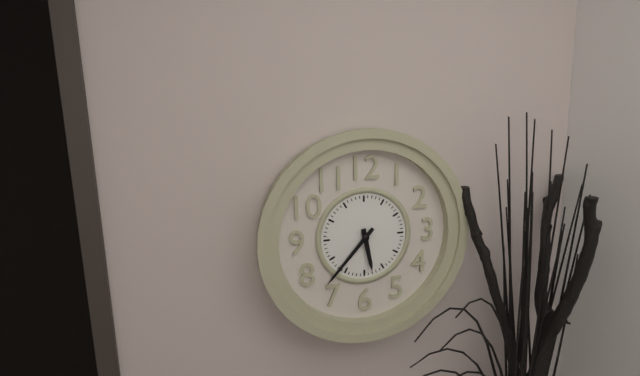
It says **5:37**
